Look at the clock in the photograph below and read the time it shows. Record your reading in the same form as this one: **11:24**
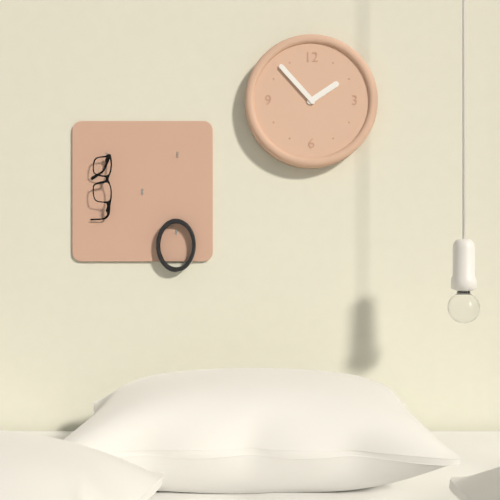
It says **1:53**
